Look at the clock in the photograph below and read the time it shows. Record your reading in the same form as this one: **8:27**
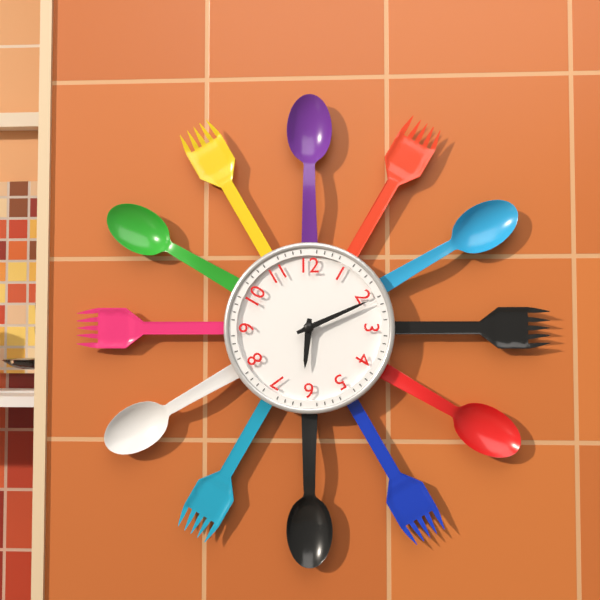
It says **6:11**
